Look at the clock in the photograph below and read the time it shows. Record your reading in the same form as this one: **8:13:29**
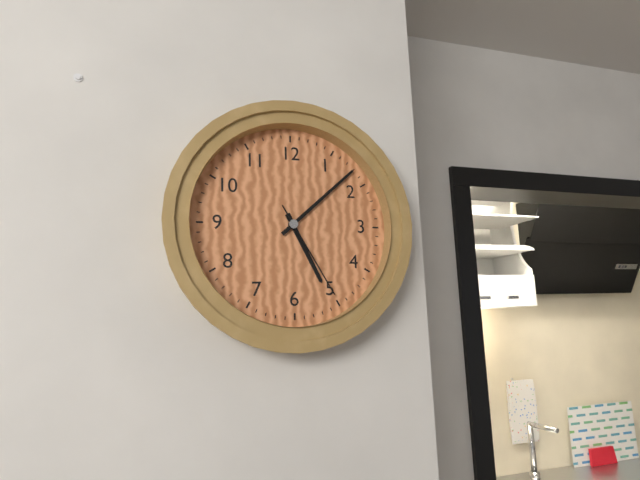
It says **5:08:25**
